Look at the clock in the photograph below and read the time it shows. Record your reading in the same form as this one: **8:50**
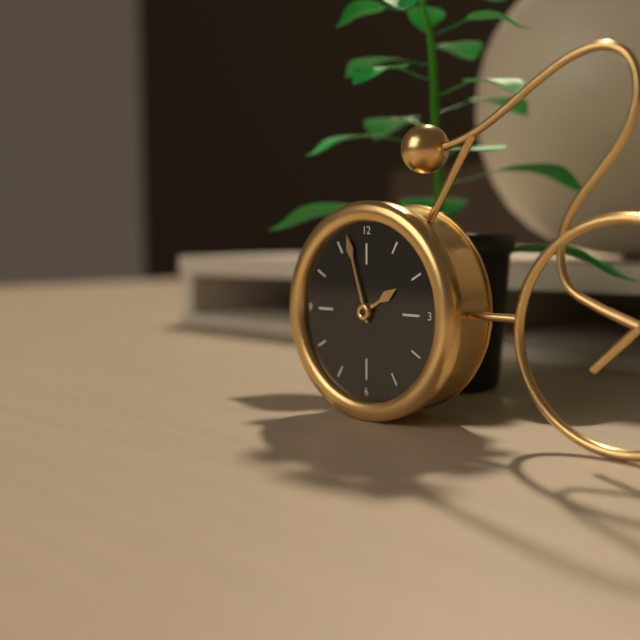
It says **1:57**
